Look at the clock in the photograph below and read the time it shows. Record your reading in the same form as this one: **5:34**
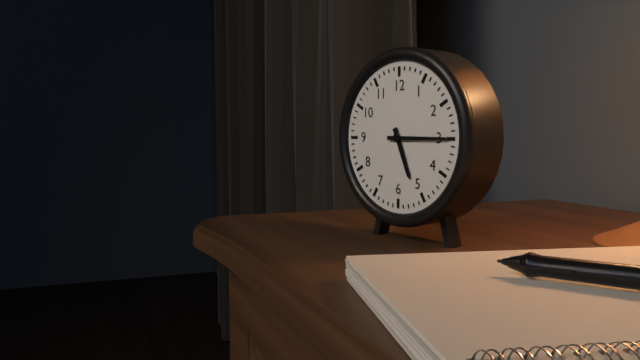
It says **5:15**
